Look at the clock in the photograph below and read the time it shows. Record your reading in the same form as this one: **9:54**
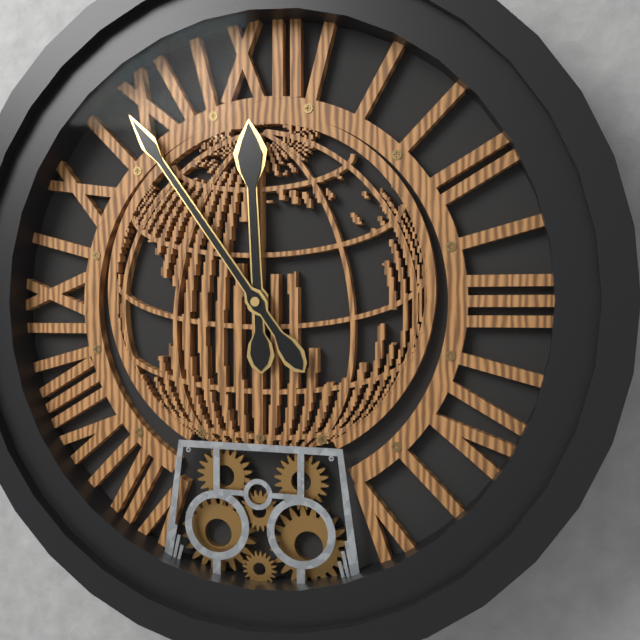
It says **11:54**
